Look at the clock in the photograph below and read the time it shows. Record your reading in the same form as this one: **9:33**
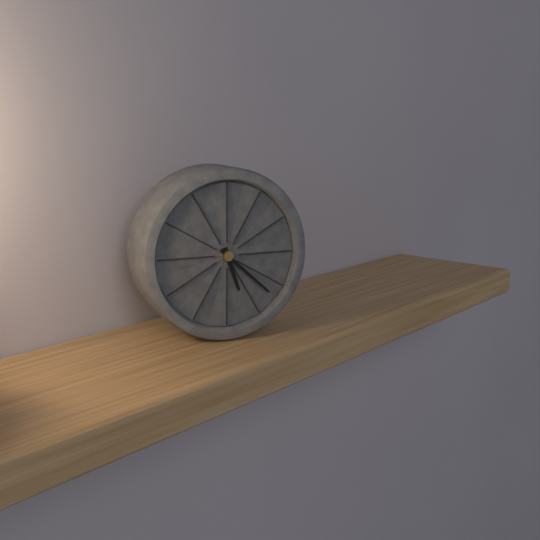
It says **5:22**
